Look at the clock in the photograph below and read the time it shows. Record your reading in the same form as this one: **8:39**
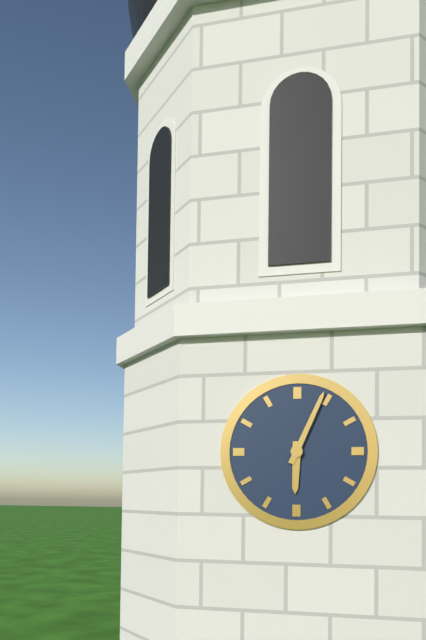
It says **6:04**
